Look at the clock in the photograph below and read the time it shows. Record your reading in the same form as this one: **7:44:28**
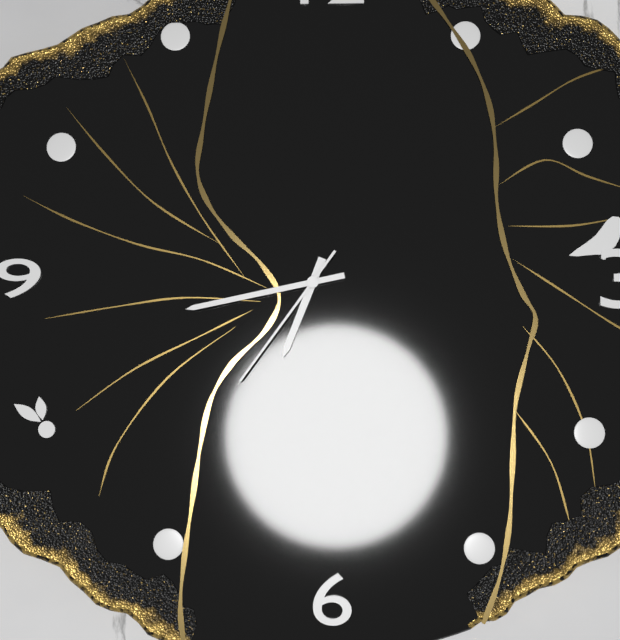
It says **6:43:36**
